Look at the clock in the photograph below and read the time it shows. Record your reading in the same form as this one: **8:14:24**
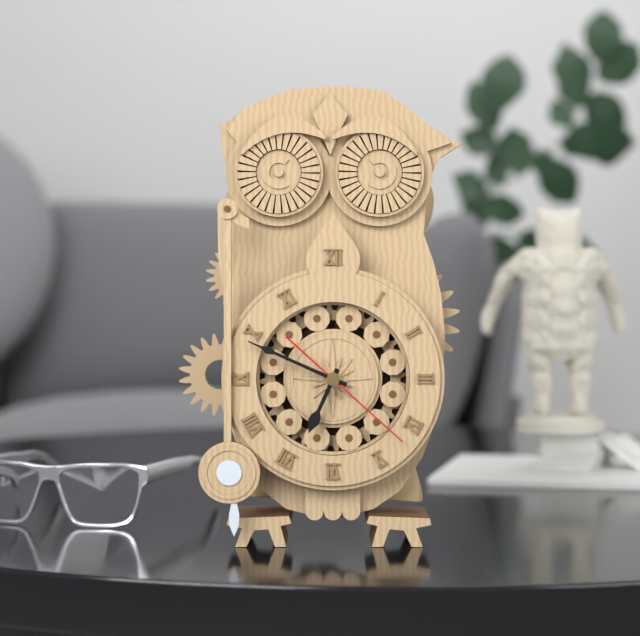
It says **6:49:22**
